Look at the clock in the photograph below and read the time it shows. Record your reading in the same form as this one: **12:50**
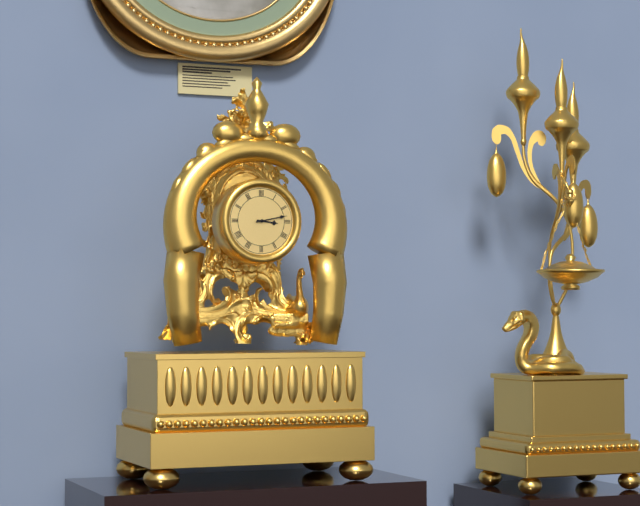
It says **3:13**
